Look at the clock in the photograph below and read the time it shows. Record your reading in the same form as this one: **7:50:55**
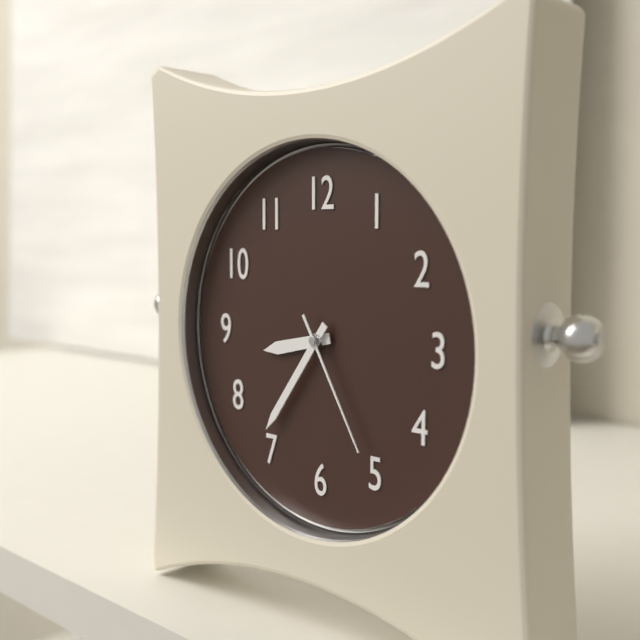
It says **8:36:25**
